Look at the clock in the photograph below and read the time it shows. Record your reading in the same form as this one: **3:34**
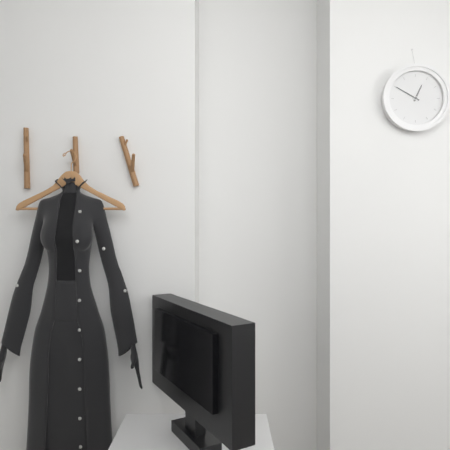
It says **12:50**
